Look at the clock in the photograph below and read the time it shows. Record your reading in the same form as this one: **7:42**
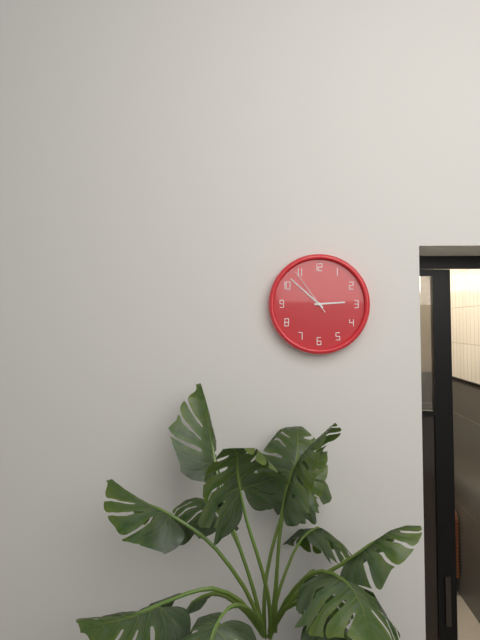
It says **2:52**
